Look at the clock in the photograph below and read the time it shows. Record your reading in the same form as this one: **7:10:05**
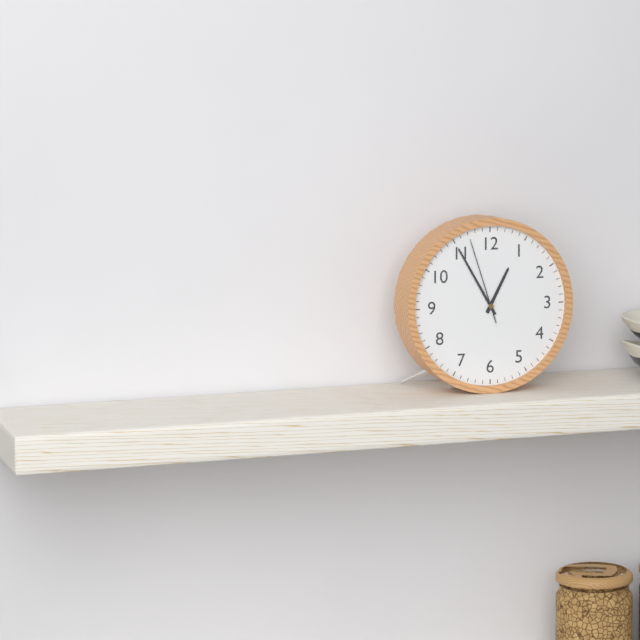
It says **12:55:57**
